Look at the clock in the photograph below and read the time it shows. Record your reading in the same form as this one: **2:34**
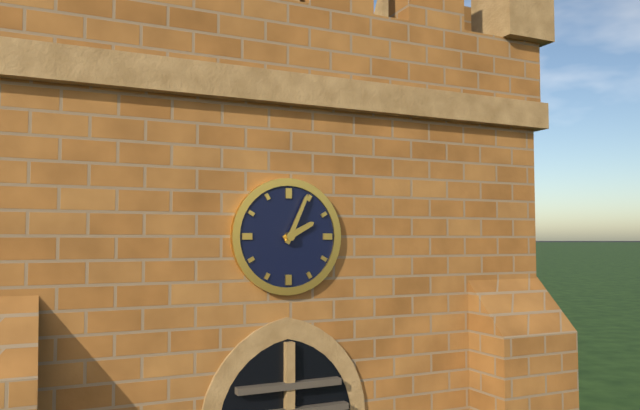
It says **2:04**
